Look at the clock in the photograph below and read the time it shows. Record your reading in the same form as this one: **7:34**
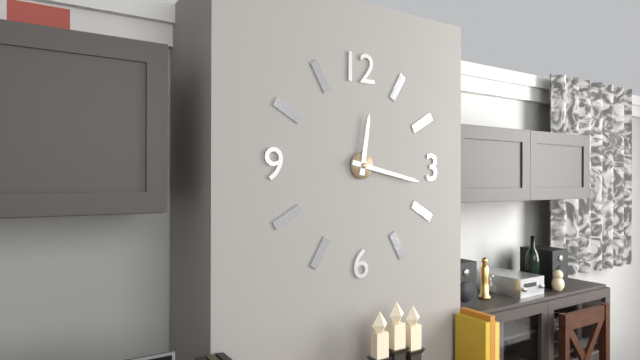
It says **12:17**
